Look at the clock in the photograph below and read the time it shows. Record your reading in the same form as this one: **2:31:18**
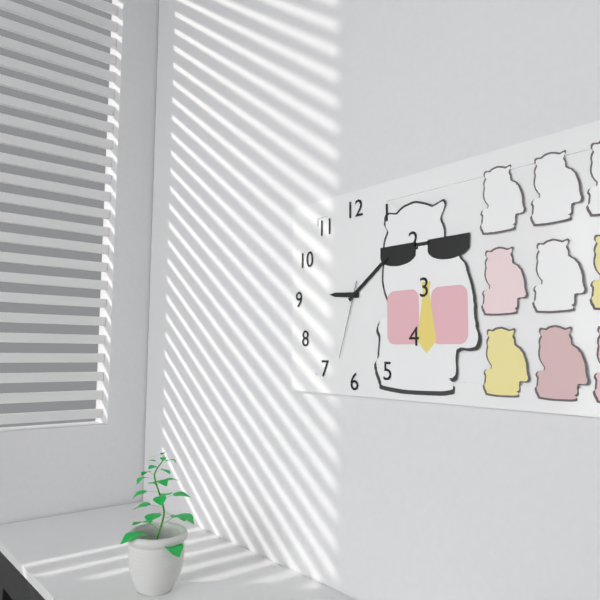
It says **9:09:33**
